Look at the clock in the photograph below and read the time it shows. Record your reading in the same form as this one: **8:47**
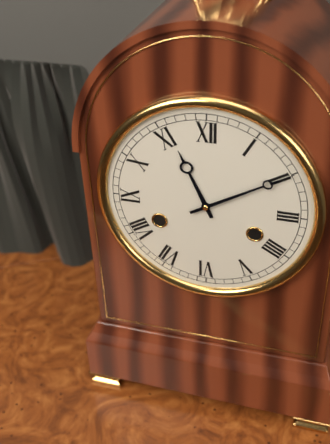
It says **11:10**
